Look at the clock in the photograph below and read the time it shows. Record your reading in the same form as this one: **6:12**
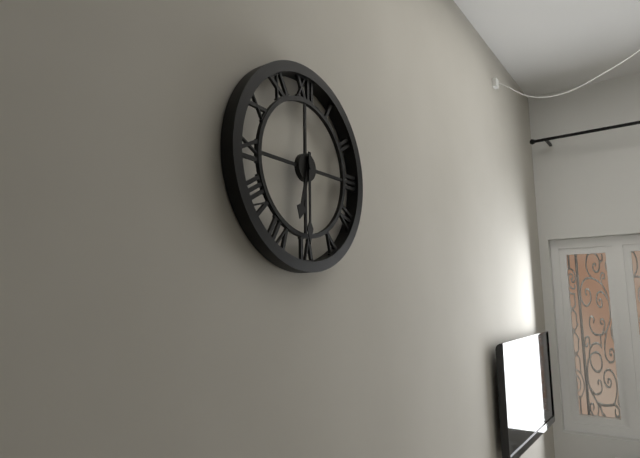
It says **6:30**
